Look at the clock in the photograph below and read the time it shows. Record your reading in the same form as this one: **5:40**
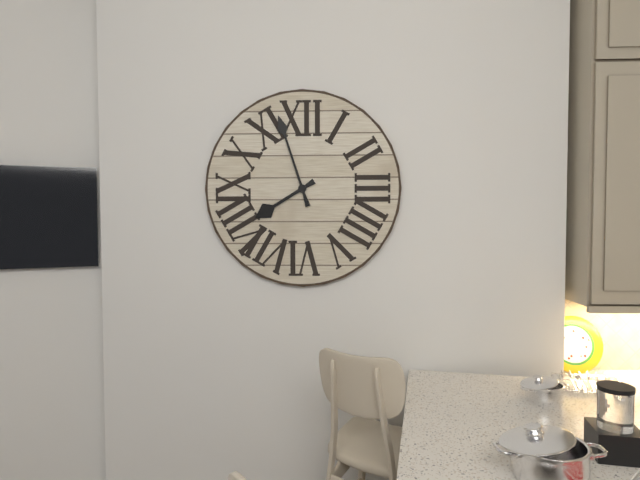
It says **7:57**
